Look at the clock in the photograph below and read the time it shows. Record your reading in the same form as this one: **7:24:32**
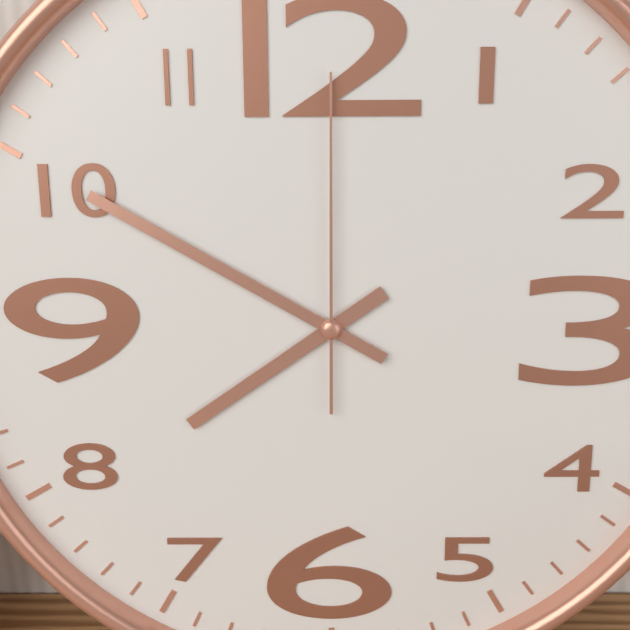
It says **7:50:00**
